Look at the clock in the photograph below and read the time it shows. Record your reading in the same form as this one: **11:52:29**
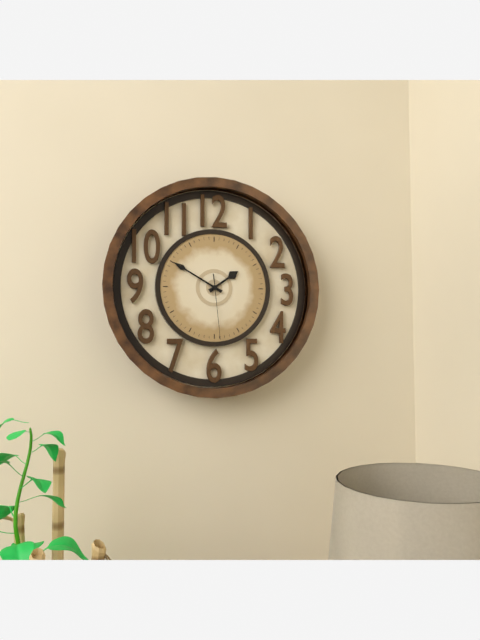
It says **1:50:29**
